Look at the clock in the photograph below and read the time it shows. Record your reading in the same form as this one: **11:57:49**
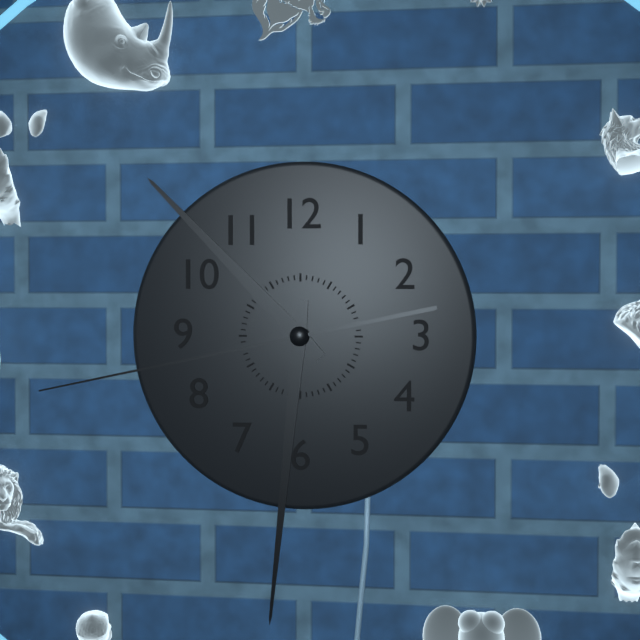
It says **10:31:43**
